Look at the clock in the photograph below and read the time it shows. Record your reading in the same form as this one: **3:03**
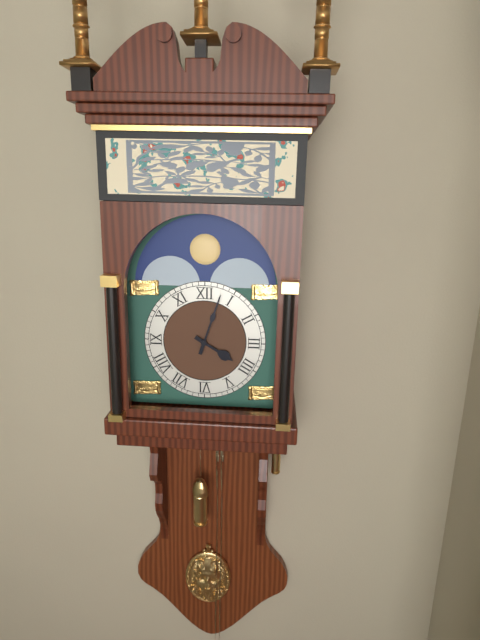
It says **4:03**
